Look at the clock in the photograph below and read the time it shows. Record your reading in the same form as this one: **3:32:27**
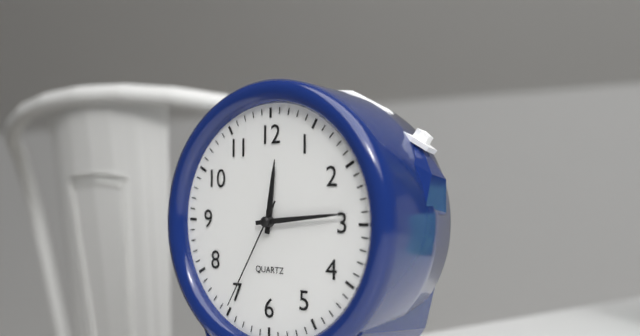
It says **12:14:35**
